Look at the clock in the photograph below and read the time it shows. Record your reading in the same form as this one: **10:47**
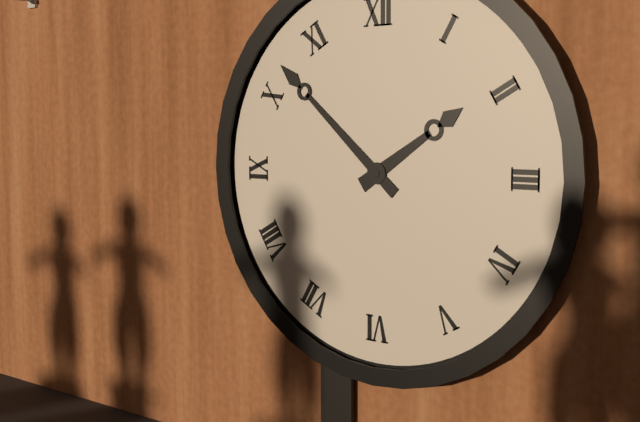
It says **1:52**
